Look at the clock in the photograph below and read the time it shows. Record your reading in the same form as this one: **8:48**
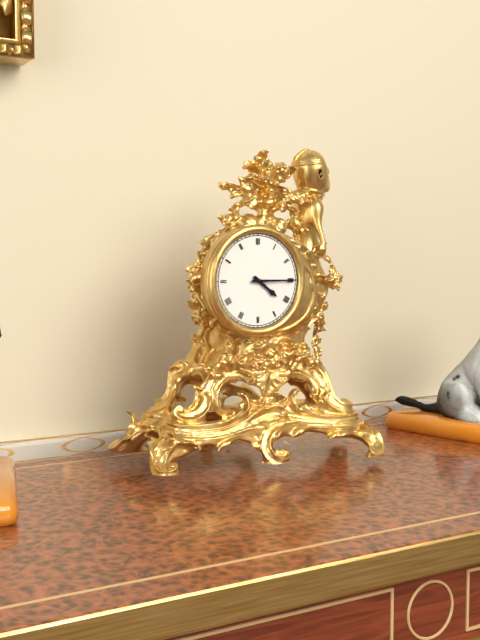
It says **4:15**
